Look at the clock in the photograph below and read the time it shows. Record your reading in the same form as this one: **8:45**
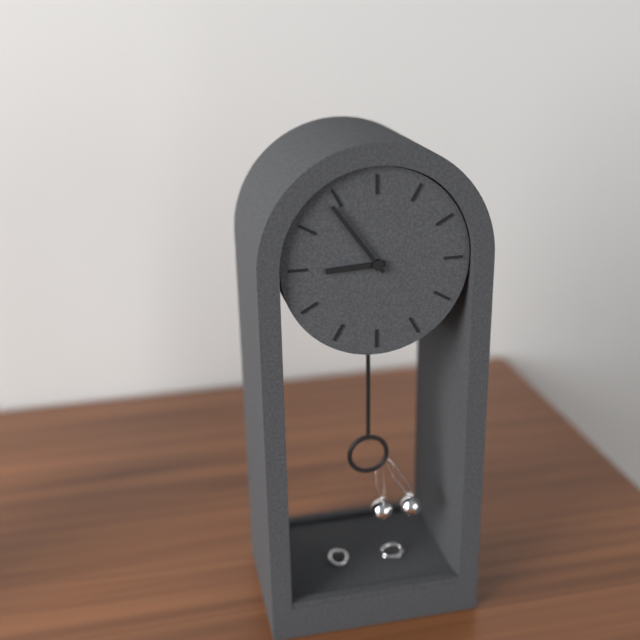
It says **8:54**
